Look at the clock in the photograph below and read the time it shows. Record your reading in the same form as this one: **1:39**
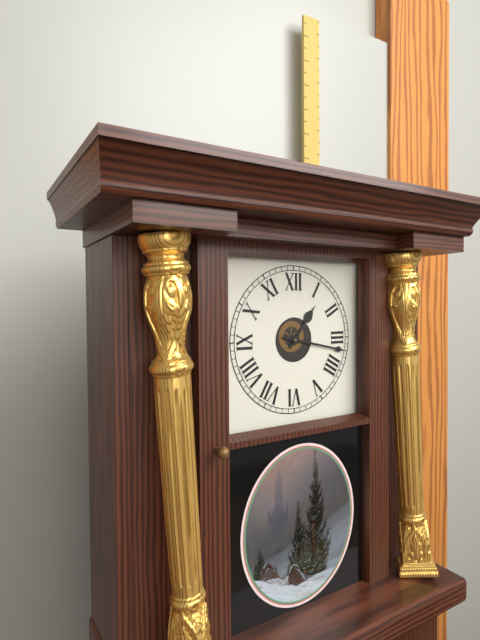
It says **1:17**
